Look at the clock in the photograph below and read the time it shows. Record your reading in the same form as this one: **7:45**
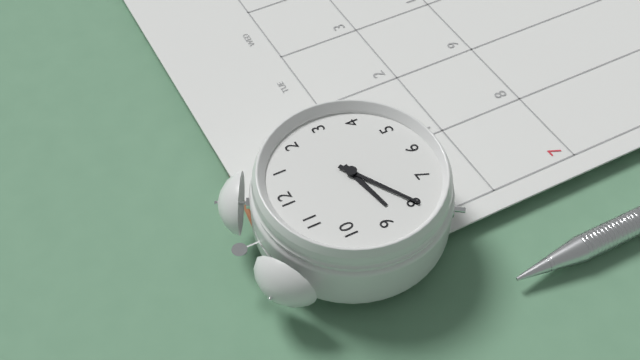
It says **8:40**
